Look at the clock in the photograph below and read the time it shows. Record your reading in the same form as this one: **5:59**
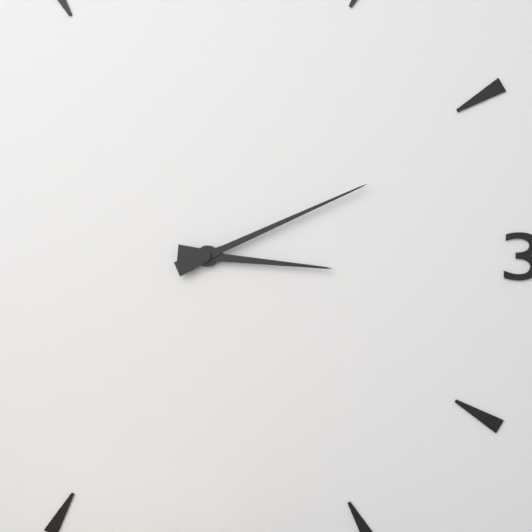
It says **3:11**
